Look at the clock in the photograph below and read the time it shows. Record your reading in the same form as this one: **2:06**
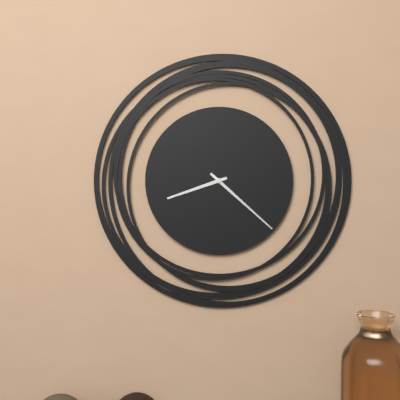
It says **8:22**
